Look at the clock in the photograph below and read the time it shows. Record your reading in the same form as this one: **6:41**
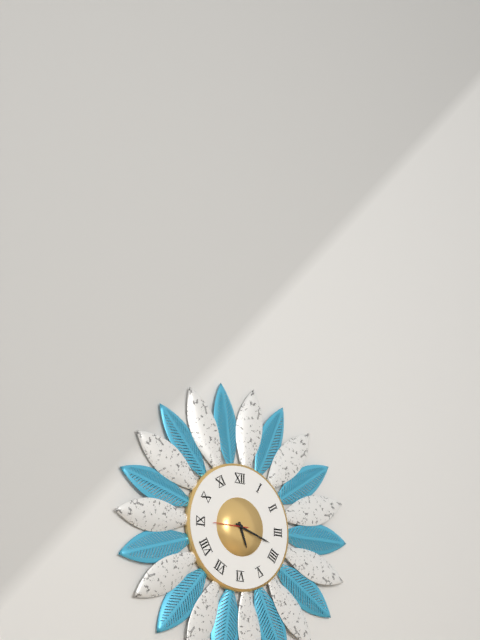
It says **5:18**
